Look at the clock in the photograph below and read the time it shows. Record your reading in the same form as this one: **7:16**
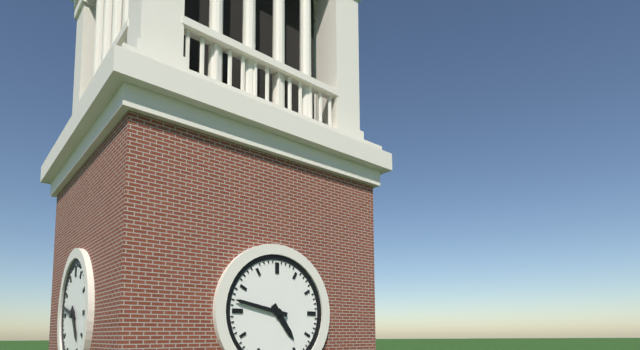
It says **4:47**
